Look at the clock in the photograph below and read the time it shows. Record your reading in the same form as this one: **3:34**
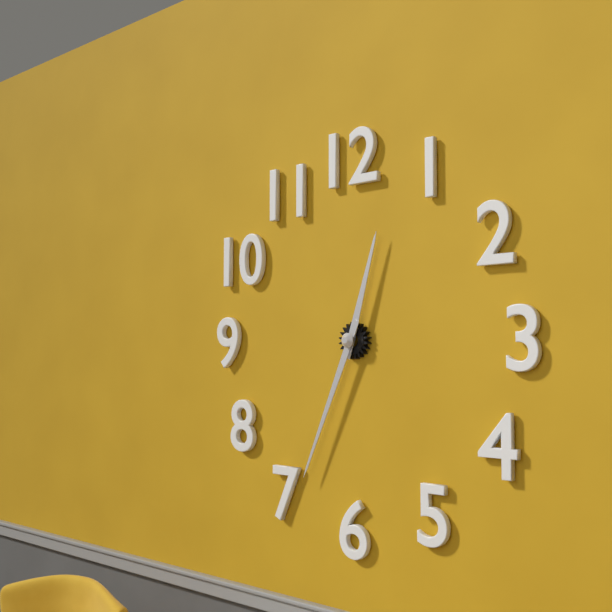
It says **12:34**
